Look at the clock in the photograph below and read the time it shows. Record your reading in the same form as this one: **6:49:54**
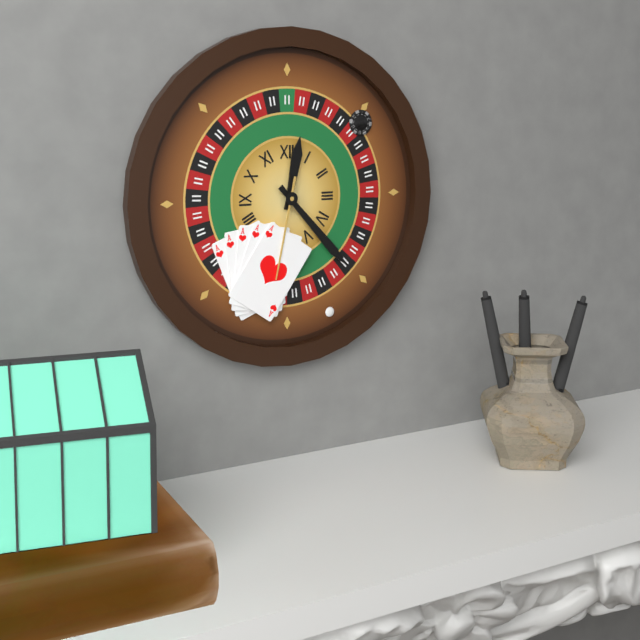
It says **12:23:32**
